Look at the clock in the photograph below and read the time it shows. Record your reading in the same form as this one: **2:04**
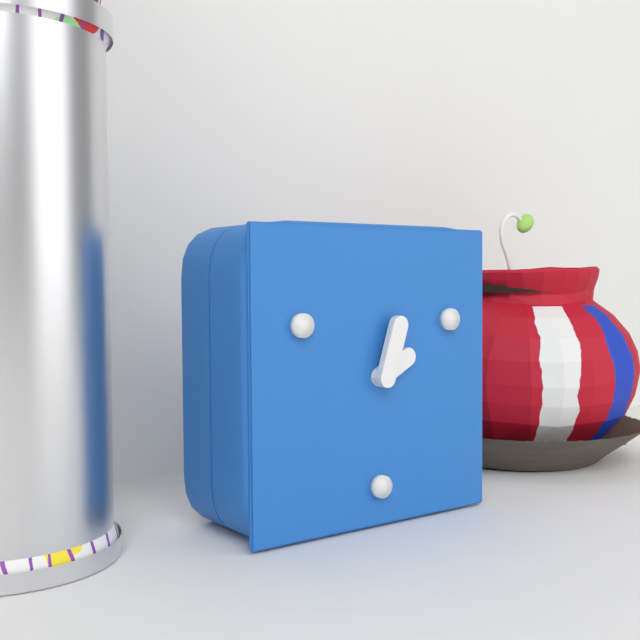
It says **2:03**
